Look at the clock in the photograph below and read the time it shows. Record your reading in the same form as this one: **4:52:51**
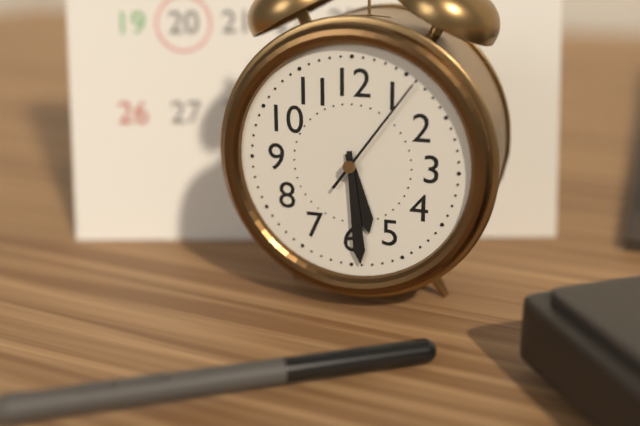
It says **5:29:06**
